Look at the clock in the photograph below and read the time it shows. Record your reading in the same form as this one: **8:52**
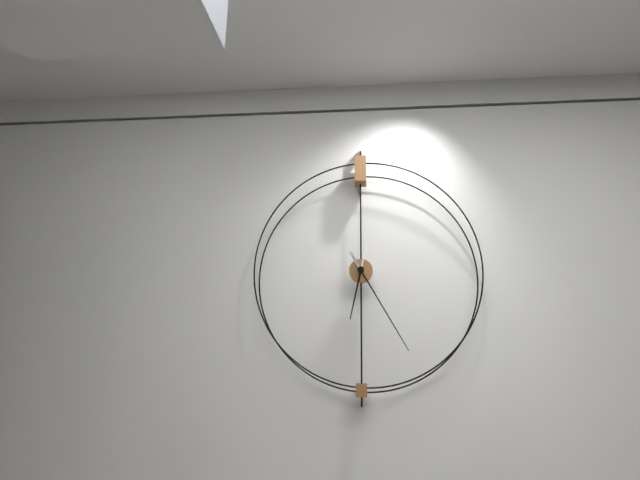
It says **6:25**
